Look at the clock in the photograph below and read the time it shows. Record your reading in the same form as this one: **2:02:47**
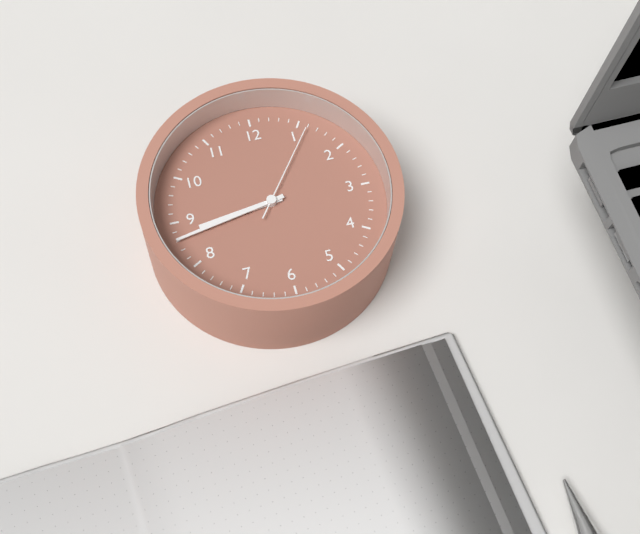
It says **8:43:06**
